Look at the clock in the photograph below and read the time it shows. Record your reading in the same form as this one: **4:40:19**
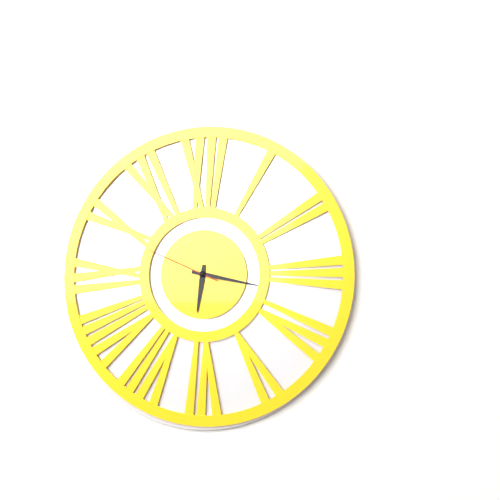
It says **6:17:49**
